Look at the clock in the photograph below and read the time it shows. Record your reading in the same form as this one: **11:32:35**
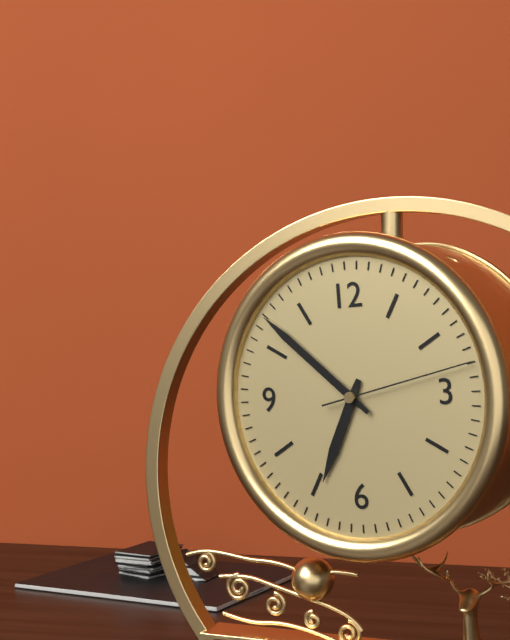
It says **6:52:13**
